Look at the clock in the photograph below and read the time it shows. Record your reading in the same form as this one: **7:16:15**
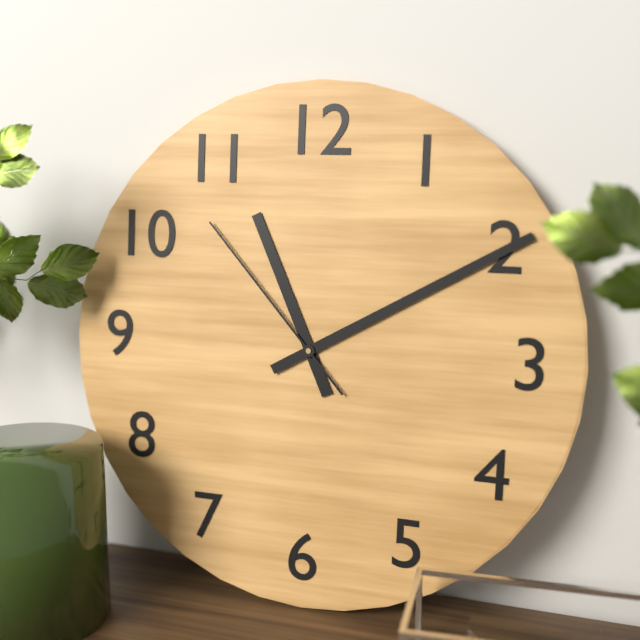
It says **11:10:53**
